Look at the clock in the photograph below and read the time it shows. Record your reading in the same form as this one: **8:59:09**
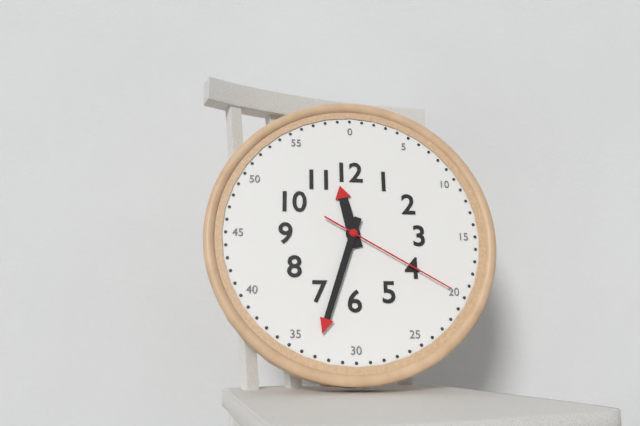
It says **11:33:20**
